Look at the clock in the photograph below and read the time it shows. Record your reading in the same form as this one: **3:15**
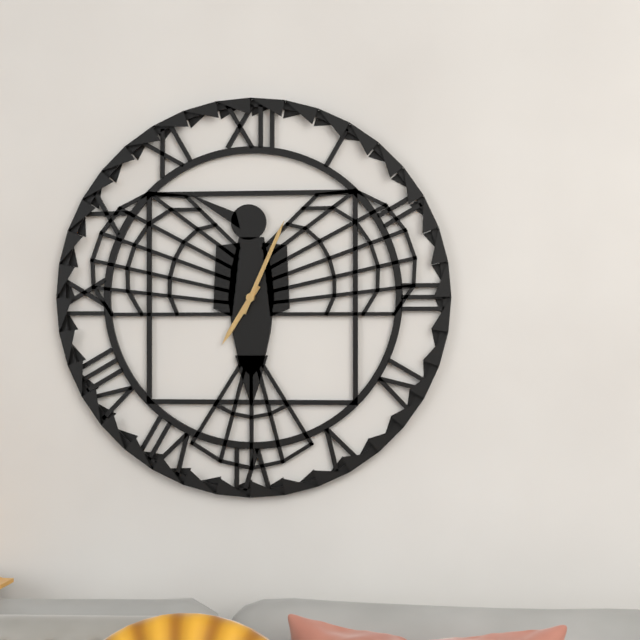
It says **7:04**
